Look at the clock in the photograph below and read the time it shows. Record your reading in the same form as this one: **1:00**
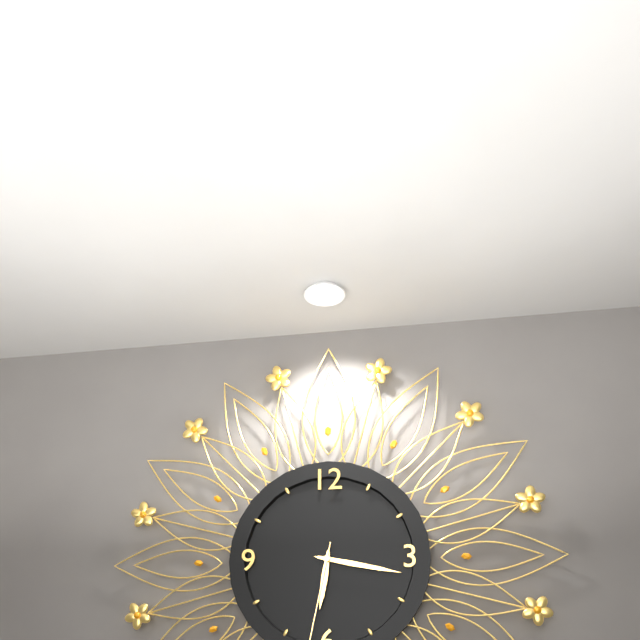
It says **6:17**
